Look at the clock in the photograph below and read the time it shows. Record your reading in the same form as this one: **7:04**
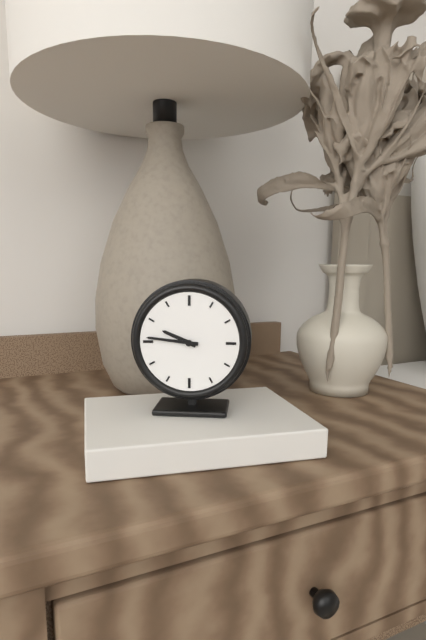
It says **9:46**
